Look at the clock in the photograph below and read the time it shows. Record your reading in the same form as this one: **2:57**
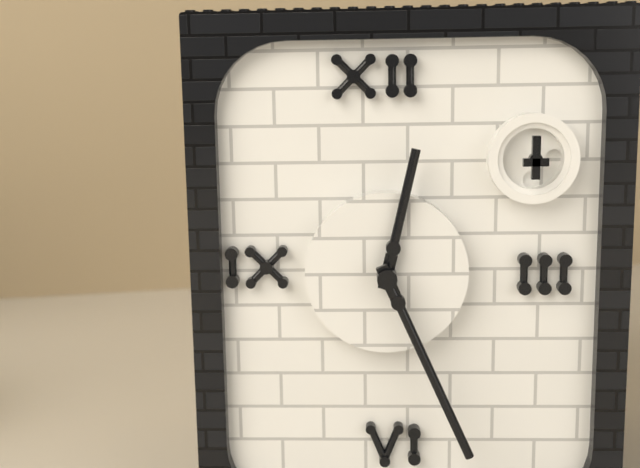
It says **12:26**
